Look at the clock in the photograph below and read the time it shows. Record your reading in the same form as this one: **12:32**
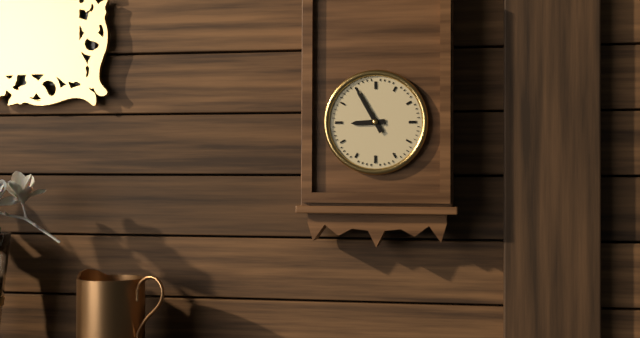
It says **8:55**
